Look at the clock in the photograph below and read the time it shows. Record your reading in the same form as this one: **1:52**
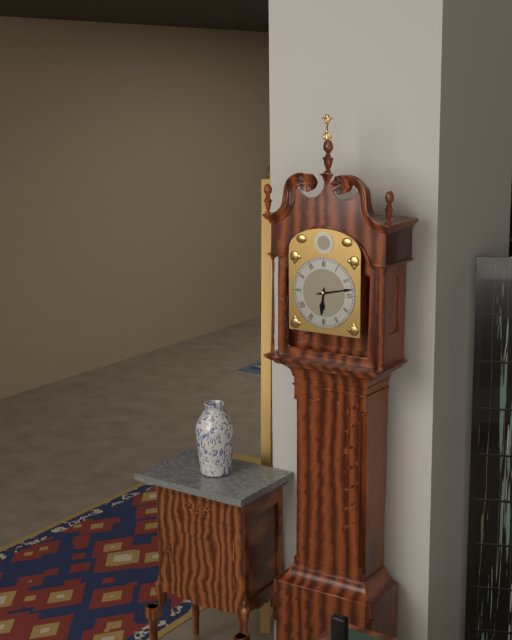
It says **6:13**
